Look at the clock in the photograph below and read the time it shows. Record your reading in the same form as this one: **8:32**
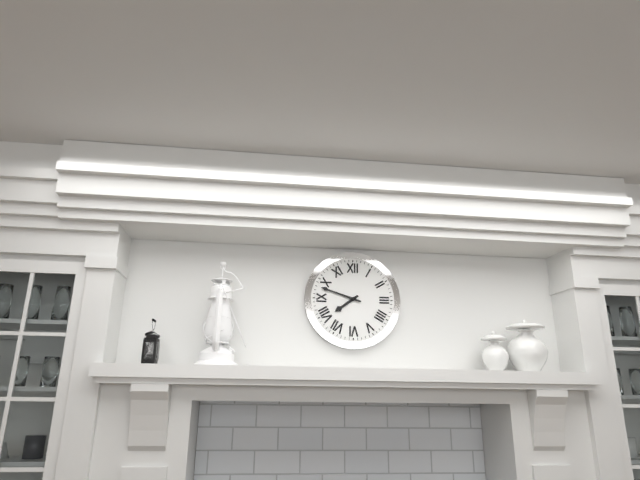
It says **7:48**
